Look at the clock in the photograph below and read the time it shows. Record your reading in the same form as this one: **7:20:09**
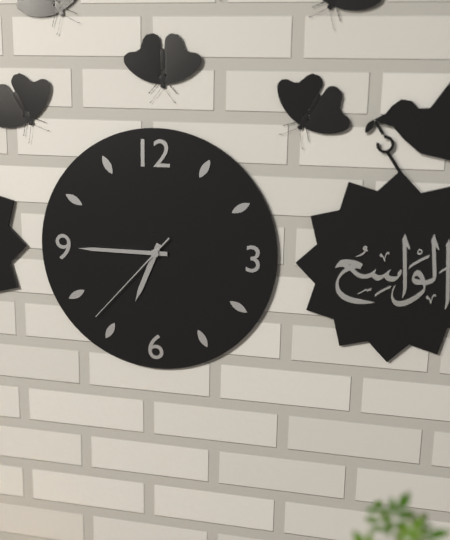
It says **6:45:37**
